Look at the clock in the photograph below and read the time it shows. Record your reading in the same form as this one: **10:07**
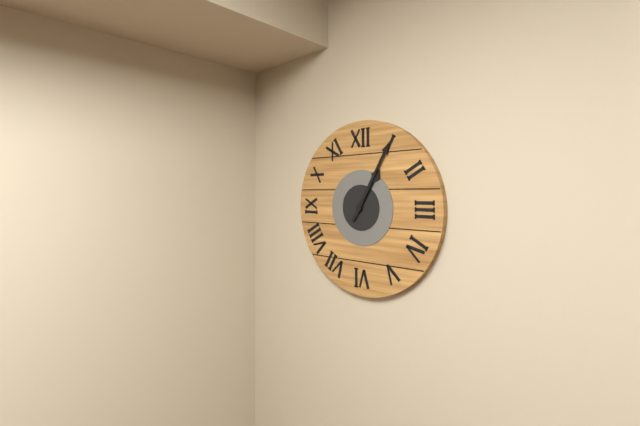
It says **1:05**
